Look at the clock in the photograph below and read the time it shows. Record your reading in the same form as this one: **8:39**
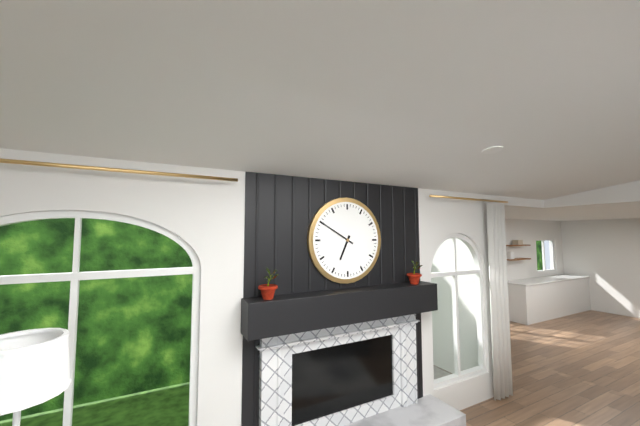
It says **6:50**
